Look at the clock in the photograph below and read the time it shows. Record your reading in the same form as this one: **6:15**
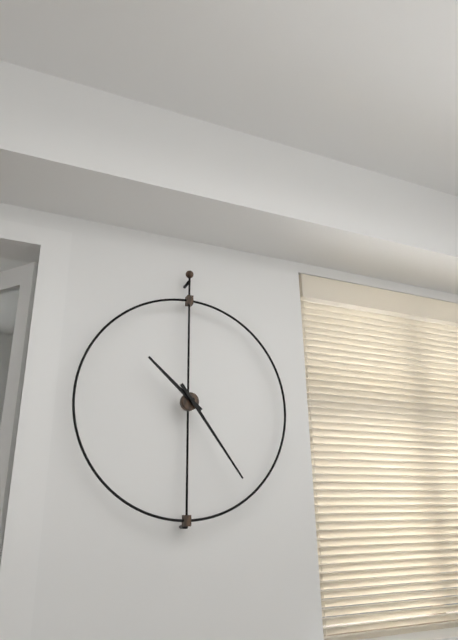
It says **10:24**
